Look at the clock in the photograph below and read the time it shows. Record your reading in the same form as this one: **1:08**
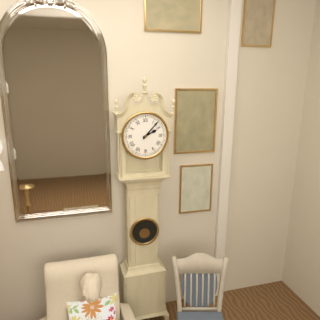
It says **2:07**
